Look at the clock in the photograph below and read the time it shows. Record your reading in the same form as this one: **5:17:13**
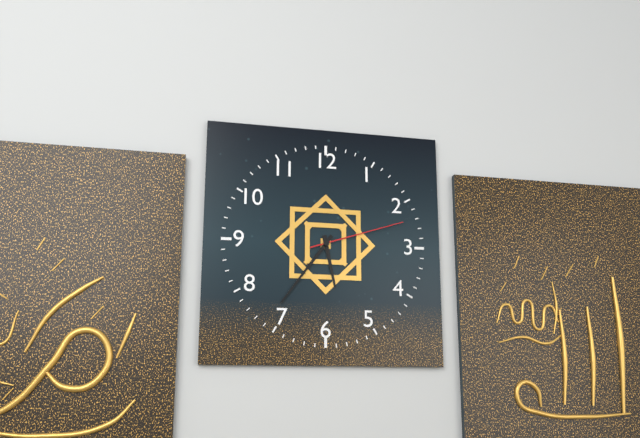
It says **5:36:12**
